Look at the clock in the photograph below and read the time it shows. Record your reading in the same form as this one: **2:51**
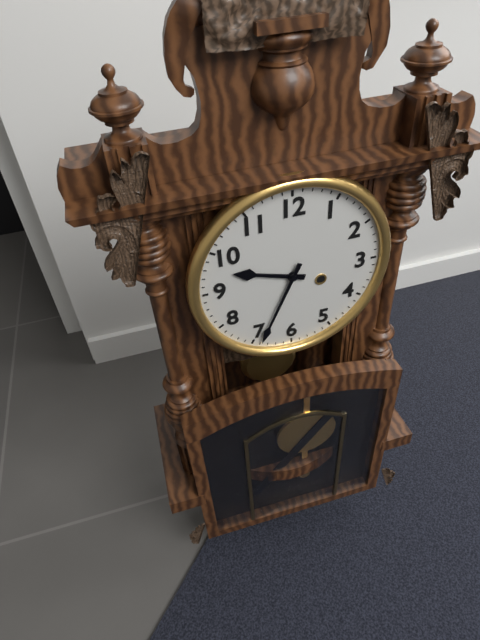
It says **9:34**
